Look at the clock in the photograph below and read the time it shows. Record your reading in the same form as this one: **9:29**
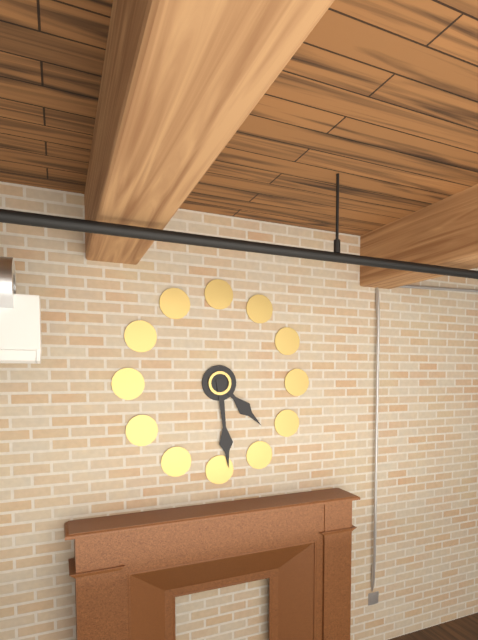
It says **4:29**
